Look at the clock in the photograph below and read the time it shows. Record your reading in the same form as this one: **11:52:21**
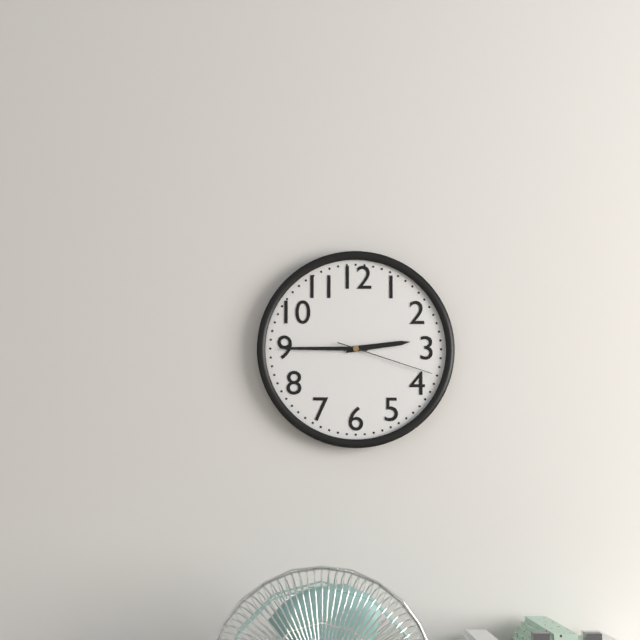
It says **2:45:18**
